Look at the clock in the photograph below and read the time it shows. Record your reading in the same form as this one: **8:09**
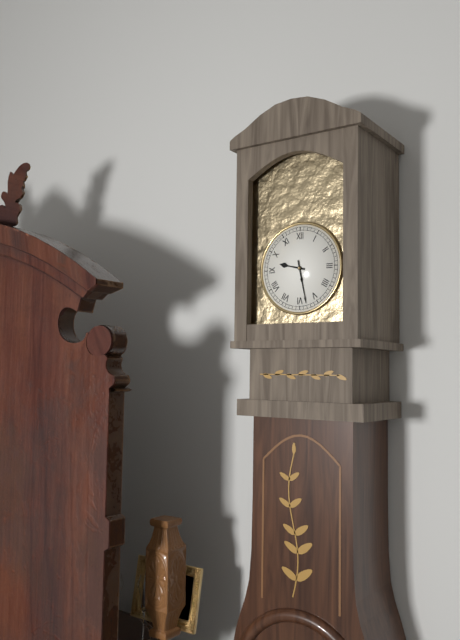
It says **9:28**
